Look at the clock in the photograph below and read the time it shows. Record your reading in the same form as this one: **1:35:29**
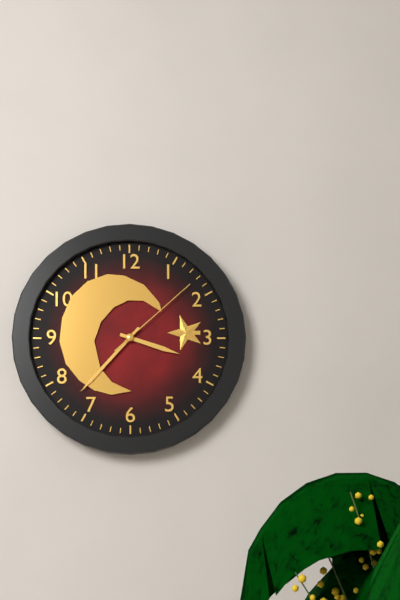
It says **3:37:08**
